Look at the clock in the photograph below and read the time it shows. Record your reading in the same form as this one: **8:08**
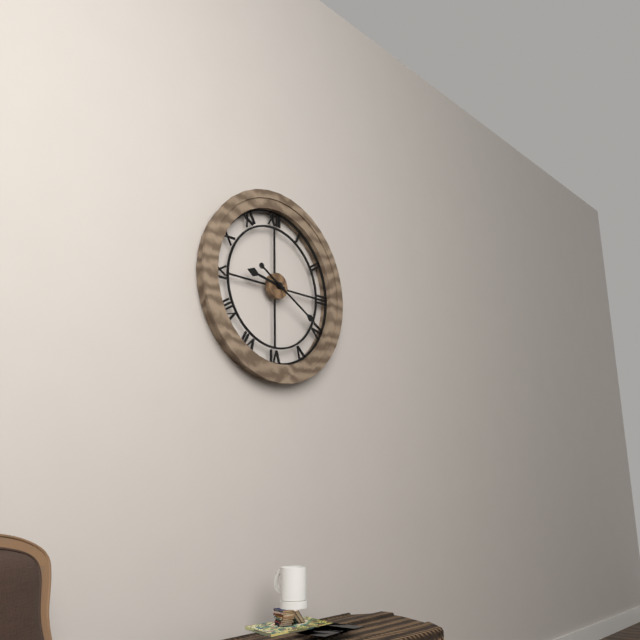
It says **9:20**
